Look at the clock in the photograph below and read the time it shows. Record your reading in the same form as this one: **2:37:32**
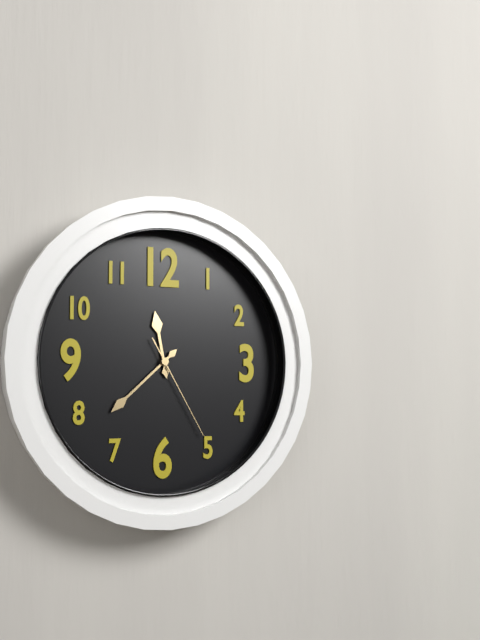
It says **11:38:25**
